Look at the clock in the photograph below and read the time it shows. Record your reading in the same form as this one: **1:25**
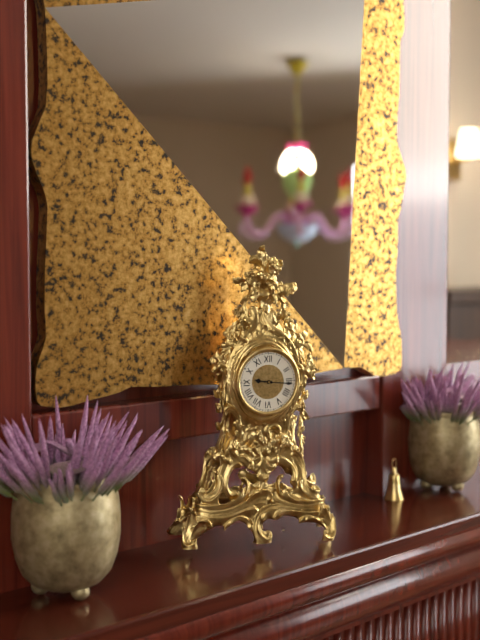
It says **9:16**
